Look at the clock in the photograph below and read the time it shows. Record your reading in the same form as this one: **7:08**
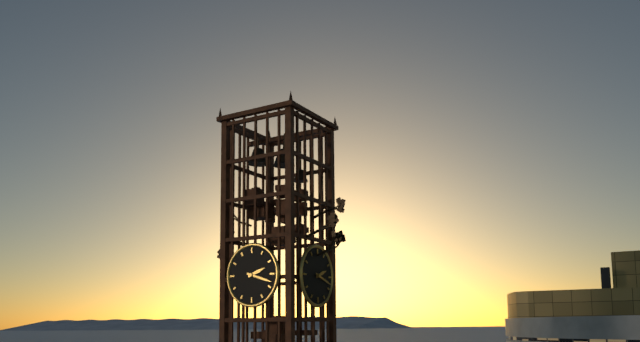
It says **2:18**
